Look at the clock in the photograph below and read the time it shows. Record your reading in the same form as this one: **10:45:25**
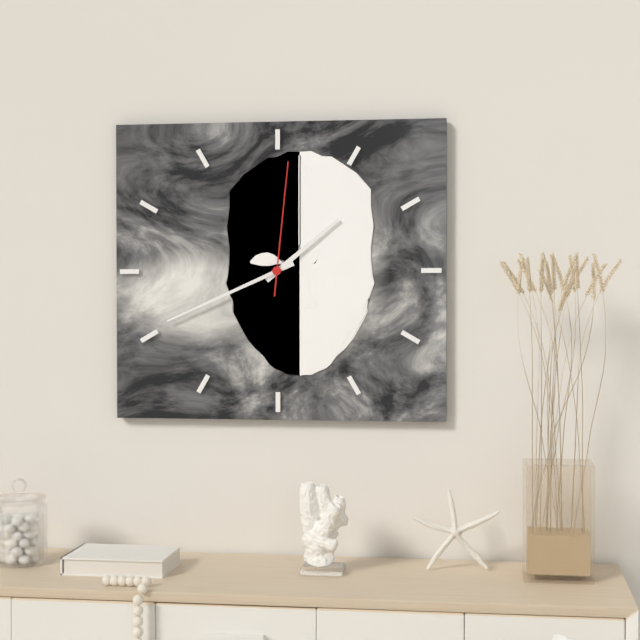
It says **1:41:01**
